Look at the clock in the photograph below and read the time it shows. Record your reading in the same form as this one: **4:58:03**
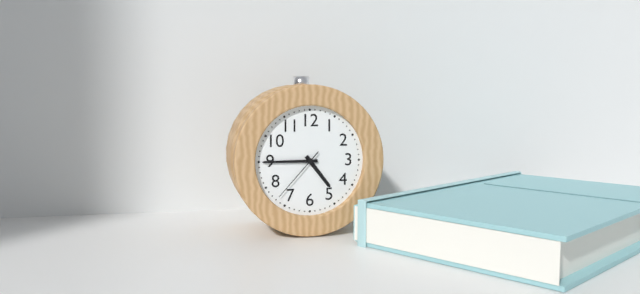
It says **4:45:37**
